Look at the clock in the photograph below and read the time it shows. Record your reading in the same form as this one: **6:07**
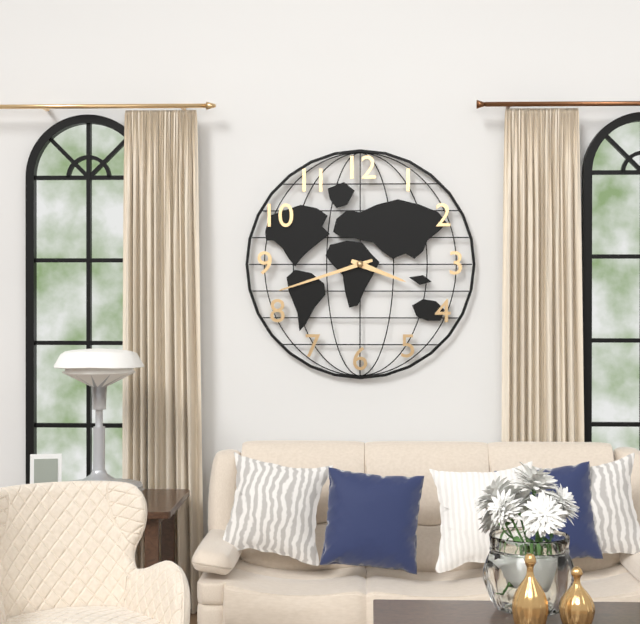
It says **3:42**
